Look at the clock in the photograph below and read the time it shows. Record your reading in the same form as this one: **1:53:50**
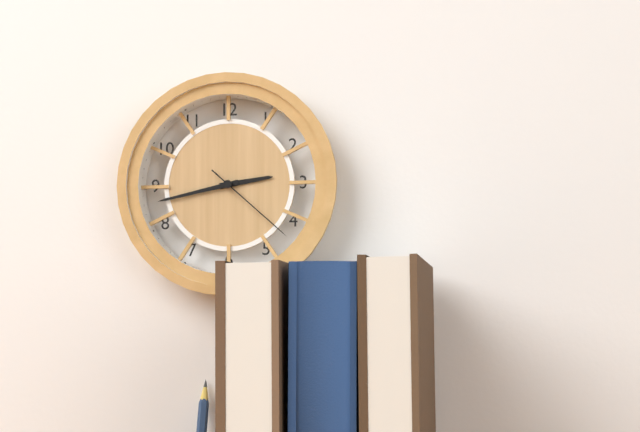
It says **2:43:22**
